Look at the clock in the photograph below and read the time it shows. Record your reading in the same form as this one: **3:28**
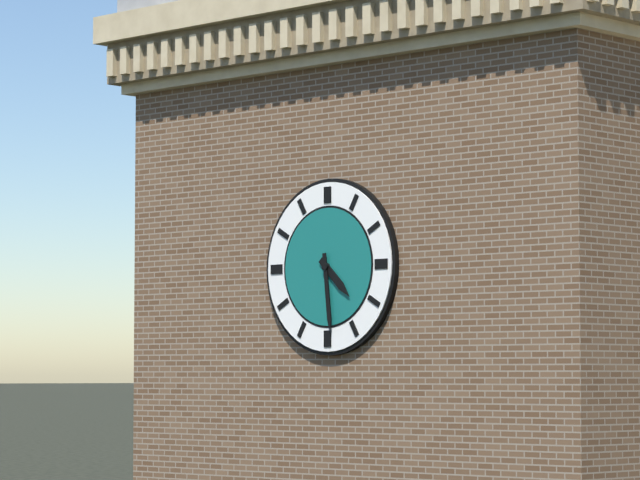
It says **4:29**
